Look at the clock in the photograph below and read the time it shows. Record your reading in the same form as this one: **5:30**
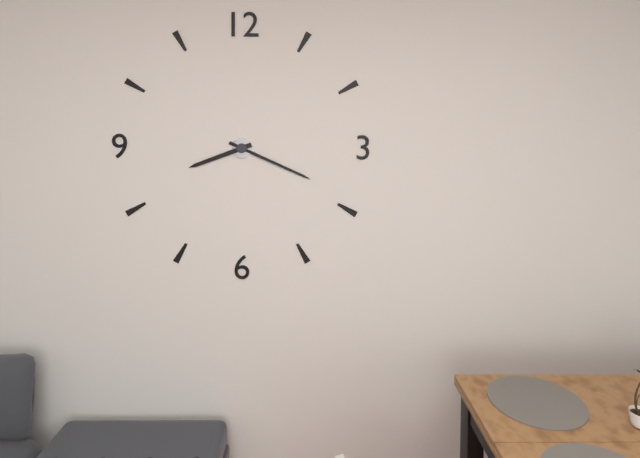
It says **8:19**
